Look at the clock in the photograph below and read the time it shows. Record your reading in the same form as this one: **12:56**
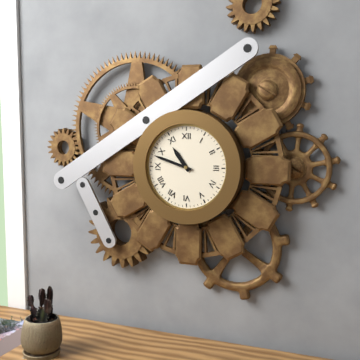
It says **10:48**
